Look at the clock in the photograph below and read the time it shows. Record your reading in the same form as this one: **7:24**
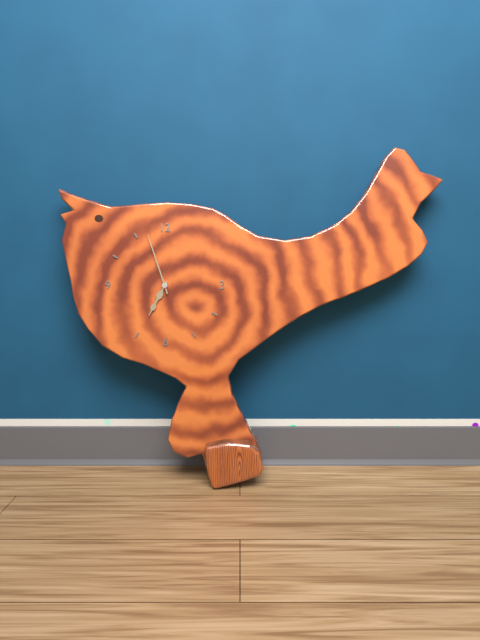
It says **6:57**
